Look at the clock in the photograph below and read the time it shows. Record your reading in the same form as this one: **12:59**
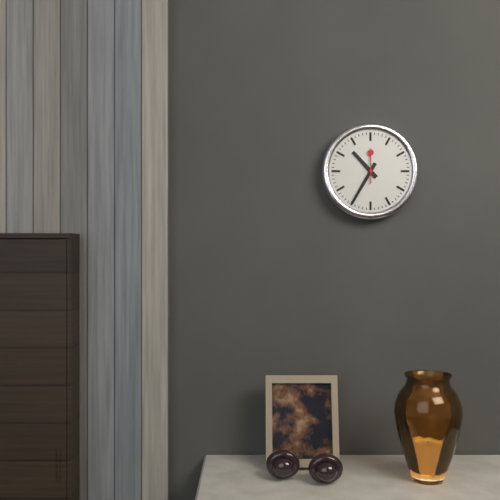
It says **10:35**
